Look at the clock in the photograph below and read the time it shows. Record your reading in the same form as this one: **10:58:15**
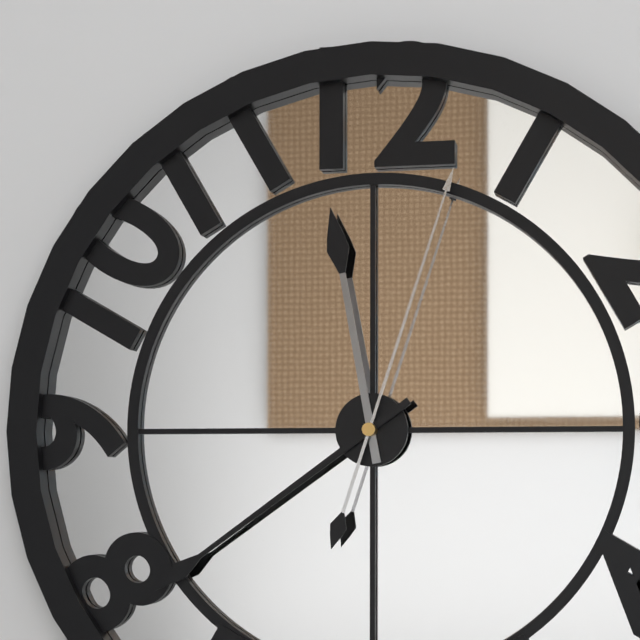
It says **11:39:03**
